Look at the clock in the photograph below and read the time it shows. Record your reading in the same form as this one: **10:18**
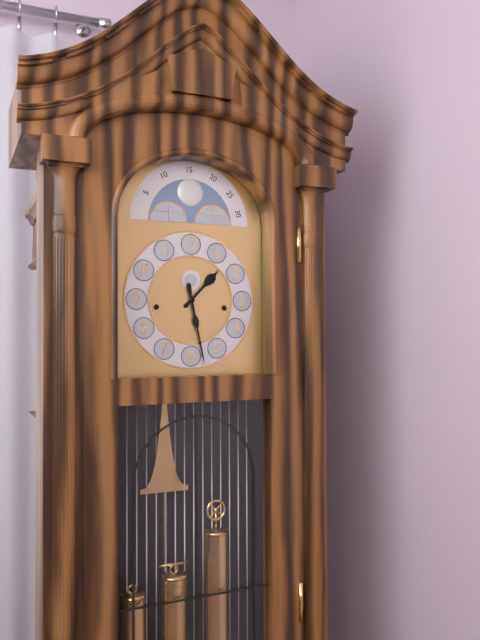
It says **1:28**
